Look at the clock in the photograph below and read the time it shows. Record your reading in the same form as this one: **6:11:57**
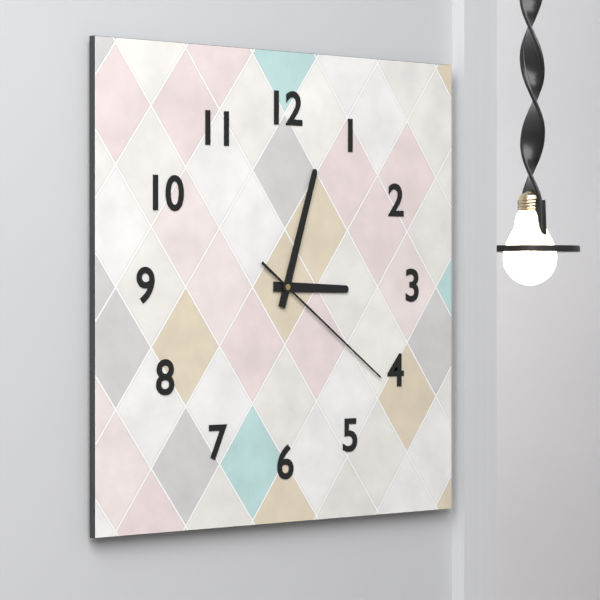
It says **3:03:21**
